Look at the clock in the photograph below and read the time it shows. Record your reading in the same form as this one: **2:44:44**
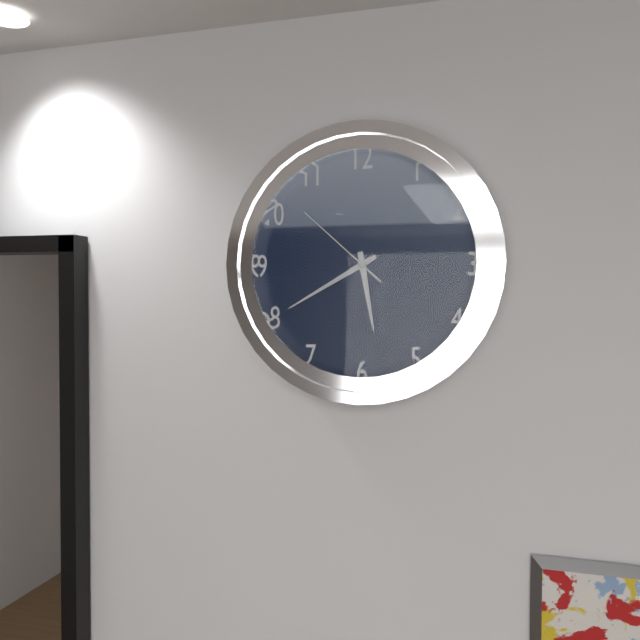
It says **5:40:52**
